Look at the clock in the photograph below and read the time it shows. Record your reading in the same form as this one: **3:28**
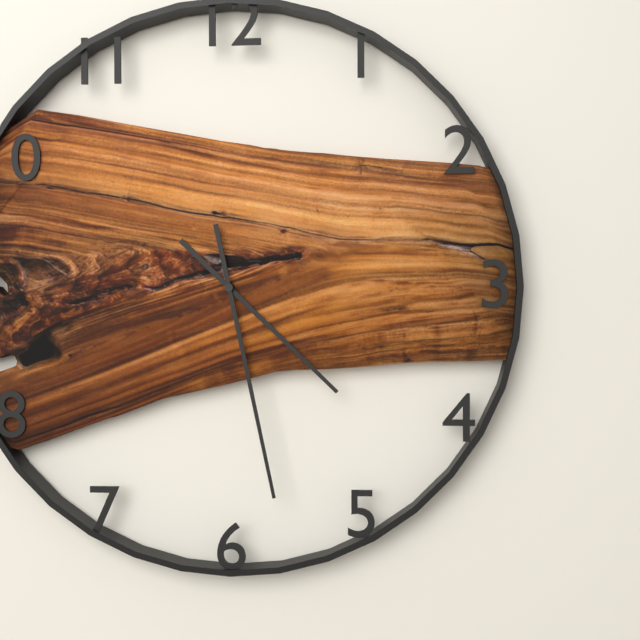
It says **4:28**
